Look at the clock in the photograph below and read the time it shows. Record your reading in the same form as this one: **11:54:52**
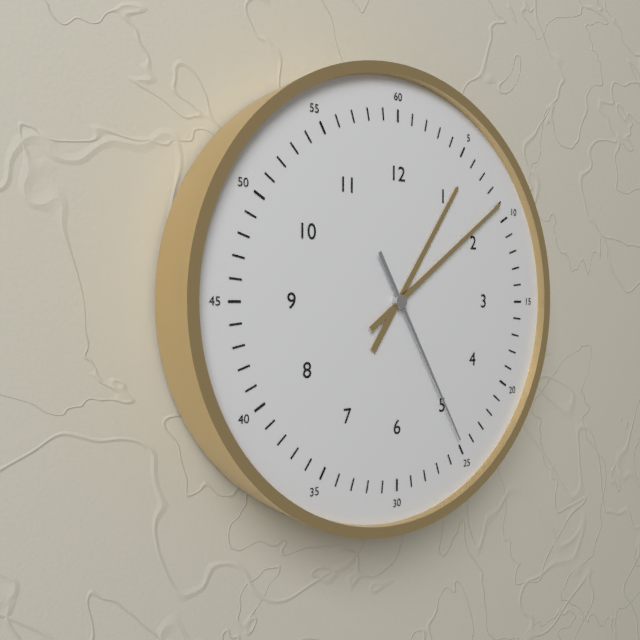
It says **1:09:25**
